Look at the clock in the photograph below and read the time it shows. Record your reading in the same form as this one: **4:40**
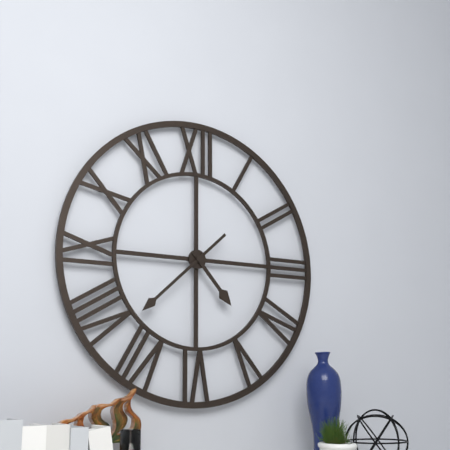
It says **4:38**
